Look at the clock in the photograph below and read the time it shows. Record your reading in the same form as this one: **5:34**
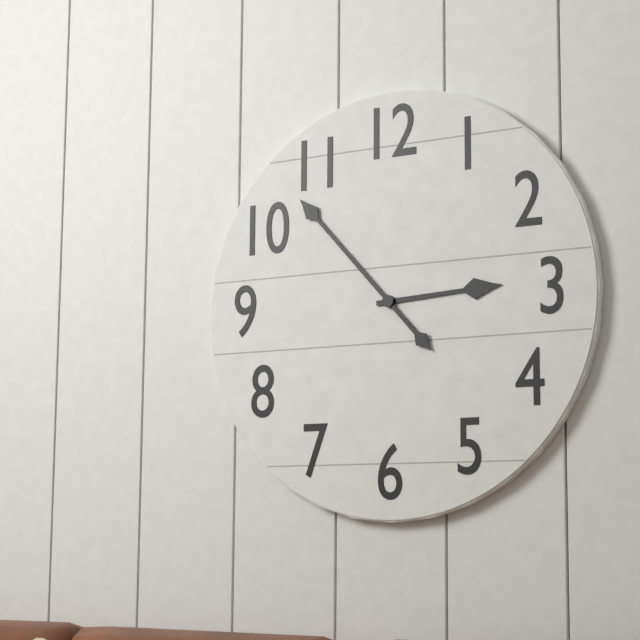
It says **2:53**
